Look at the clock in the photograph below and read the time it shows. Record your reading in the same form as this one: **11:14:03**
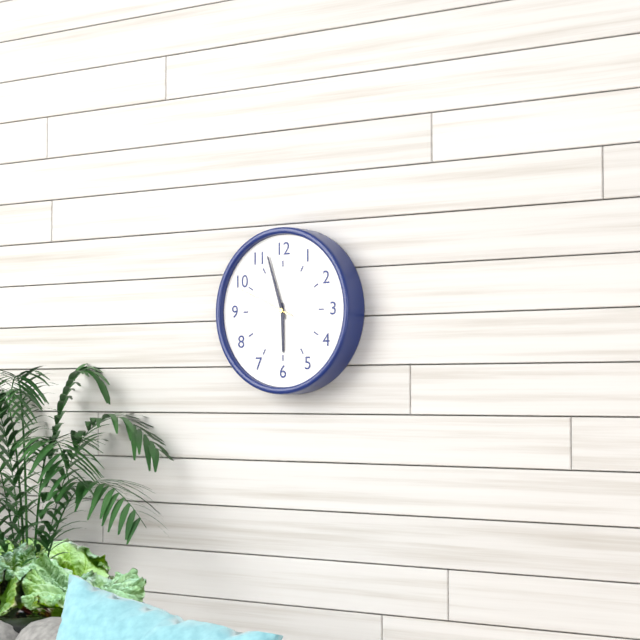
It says **5:57:49**
